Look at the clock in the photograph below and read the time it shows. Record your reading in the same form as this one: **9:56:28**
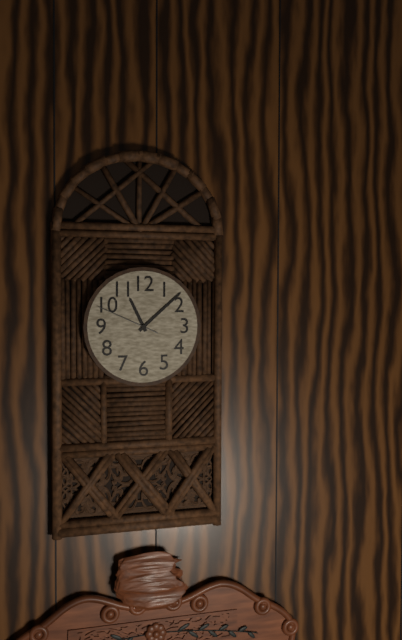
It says **11:08:49**
